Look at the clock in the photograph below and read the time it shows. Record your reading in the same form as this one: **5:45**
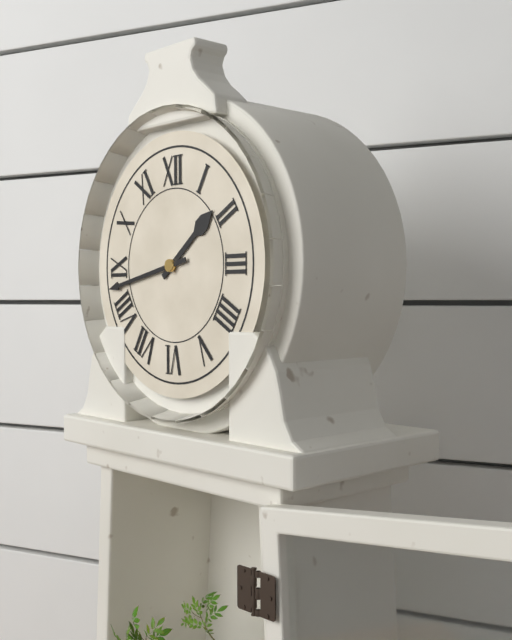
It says **1:43**
